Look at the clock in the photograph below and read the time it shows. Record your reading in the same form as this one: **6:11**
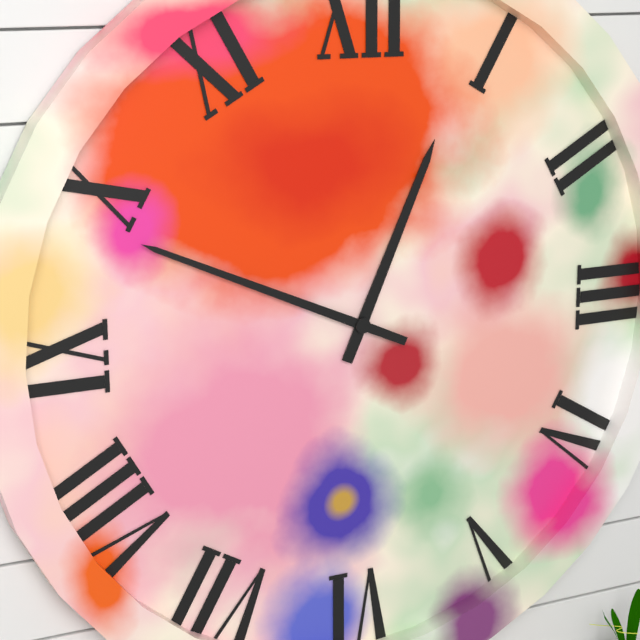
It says **12:49**
